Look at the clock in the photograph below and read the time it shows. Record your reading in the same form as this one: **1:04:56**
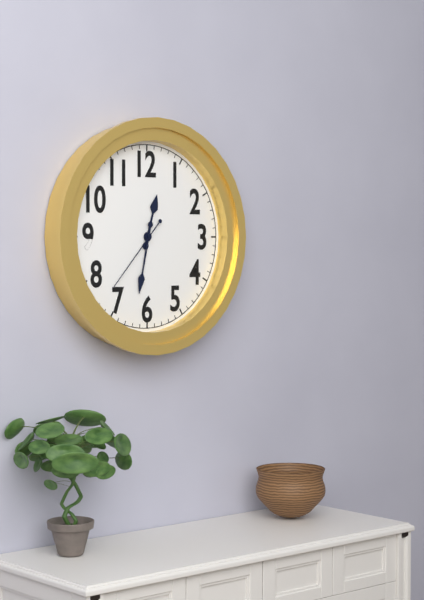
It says **12:32:37**
